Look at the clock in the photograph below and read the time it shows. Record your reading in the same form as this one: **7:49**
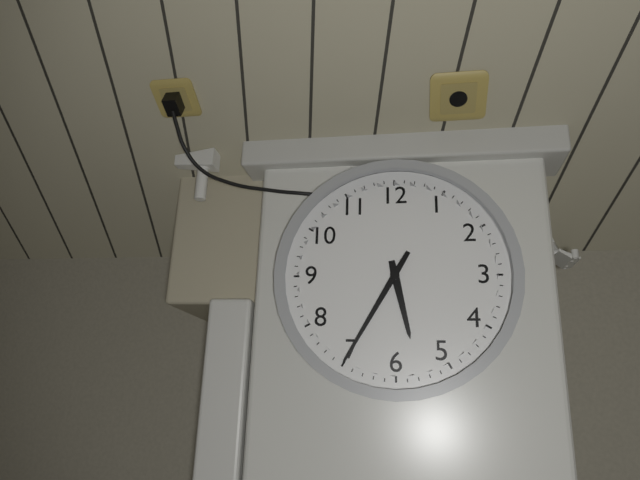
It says **5:35**
